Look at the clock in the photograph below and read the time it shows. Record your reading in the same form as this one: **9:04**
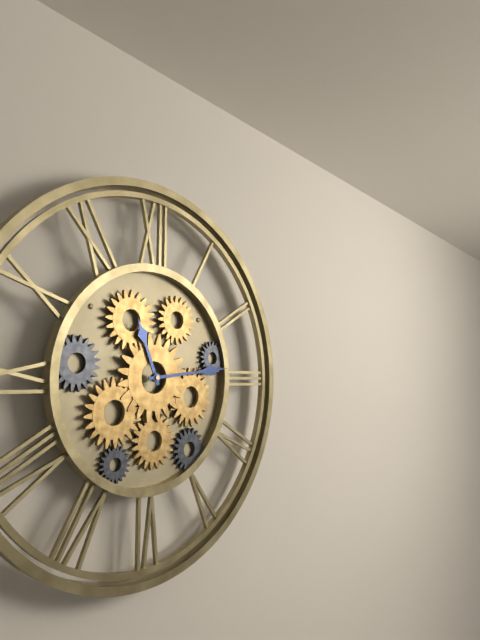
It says **11:14**
